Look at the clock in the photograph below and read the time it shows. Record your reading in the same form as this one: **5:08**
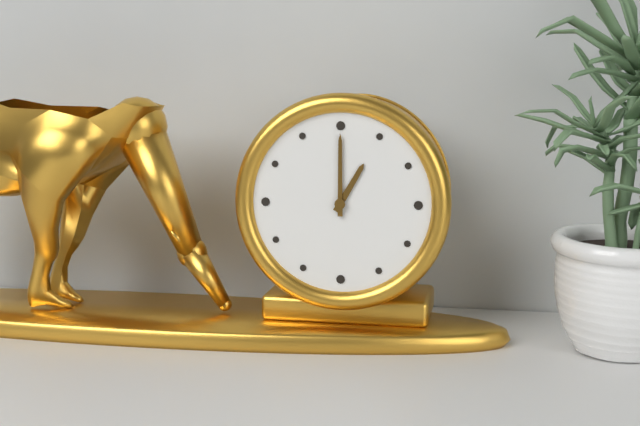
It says **1:00**
